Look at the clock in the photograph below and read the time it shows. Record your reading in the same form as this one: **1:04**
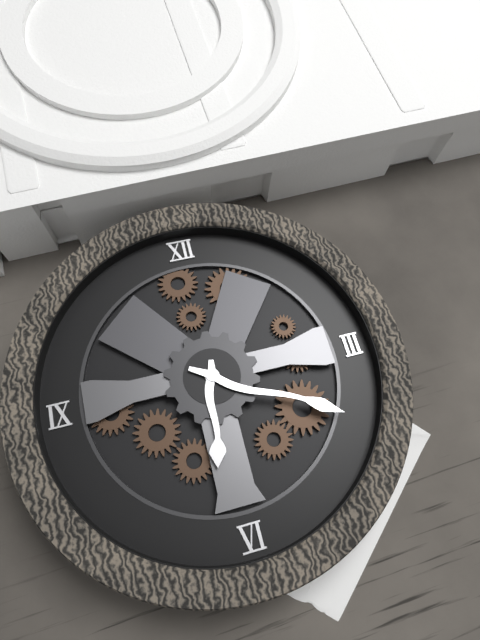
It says **6:20**
